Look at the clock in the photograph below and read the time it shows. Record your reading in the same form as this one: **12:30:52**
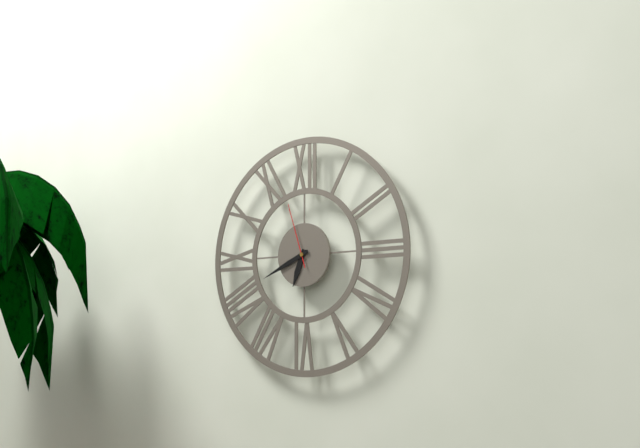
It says **6:41:57**
